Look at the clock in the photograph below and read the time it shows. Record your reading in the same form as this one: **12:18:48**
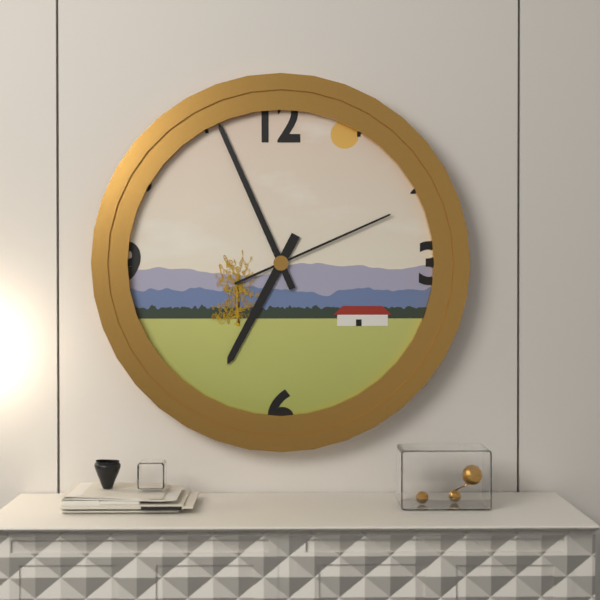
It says **6:56:11**
